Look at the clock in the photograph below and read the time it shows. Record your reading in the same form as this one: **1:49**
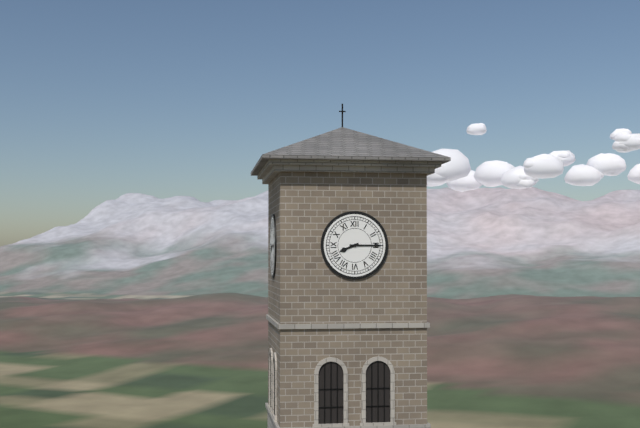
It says **8:15**
